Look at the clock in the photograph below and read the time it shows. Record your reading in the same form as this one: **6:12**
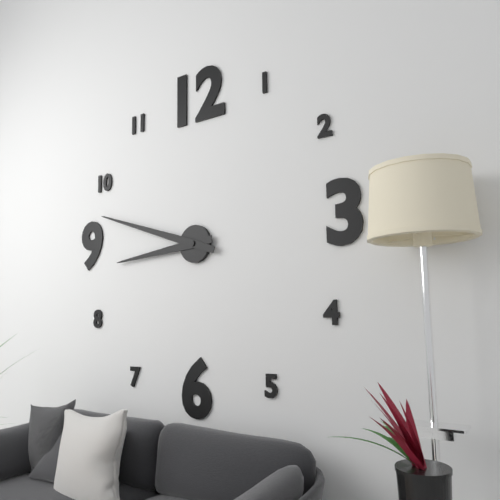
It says **8:48**
